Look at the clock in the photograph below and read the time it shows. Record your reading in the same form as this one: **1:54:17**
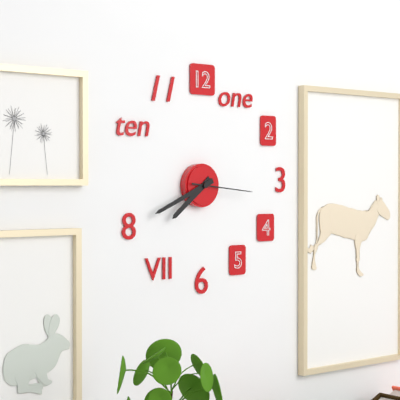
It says **7:41:16**
